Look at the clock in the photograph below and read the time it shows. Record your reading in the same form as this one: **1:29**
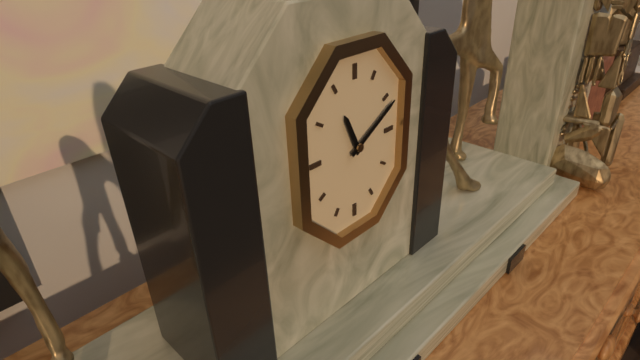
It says **11:10**
